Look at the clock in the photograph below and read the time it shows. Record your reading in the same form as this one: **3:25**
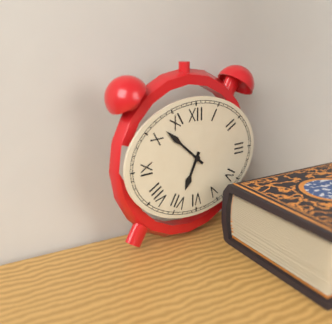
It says **6:52**
